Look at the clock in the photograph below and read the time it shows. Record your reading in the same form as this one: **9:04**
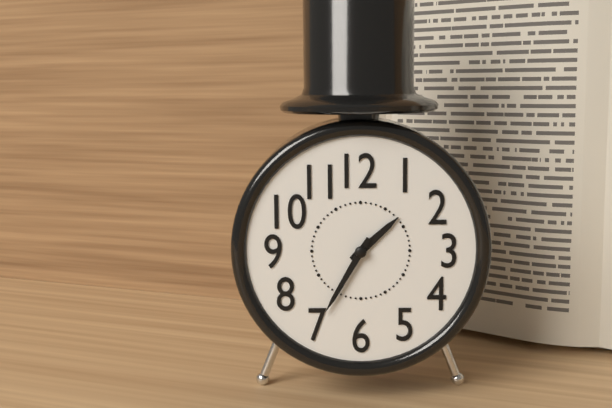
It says **1:35**
